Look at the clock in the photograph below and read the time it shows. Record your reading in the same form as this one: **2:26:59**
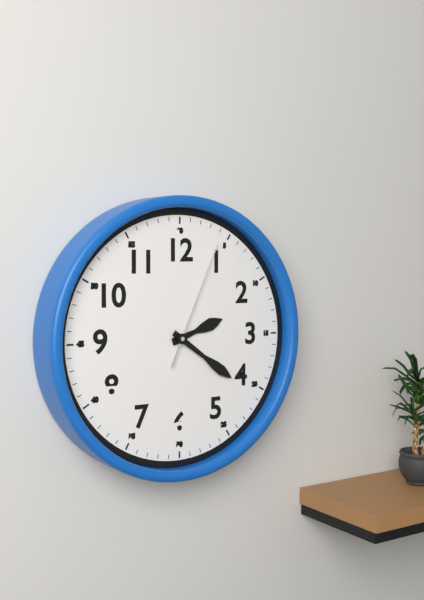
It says **2:21:04**
